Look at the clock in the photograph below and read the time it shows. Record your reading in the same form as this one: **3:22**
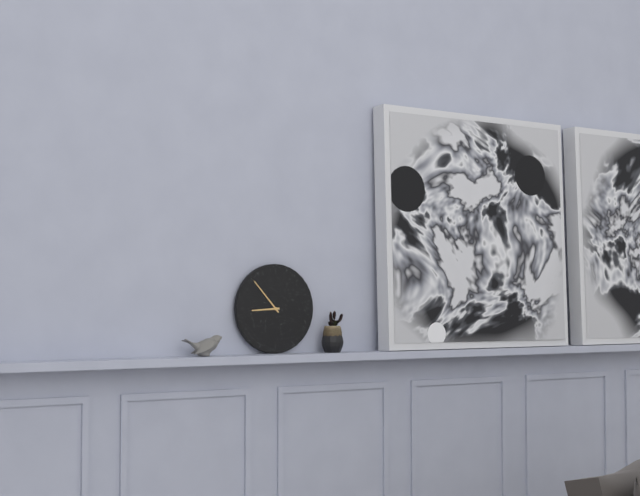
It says **8:53**
